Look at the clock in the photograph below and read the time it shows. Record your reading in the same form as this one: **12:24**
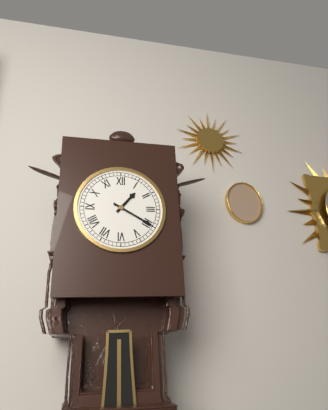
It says **1:20**
